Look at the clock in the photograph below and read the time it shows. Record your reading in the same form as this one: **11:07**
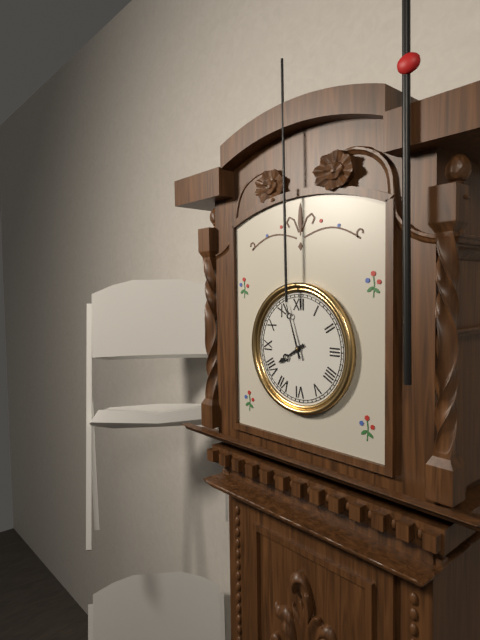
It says **7:57**
